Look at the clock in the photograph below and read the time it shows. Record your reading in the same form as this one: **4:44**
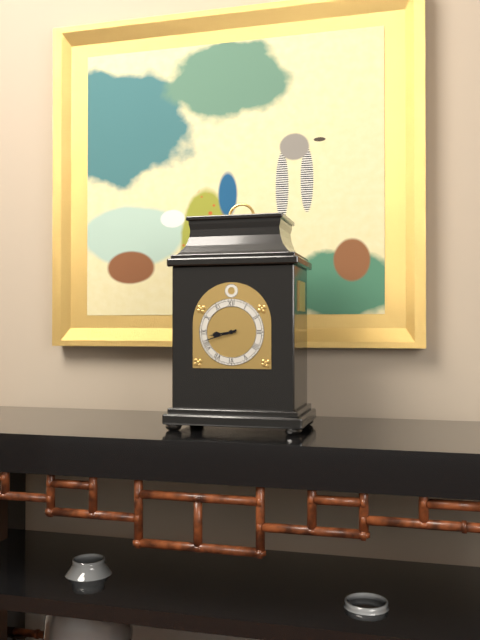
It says **8:42**
